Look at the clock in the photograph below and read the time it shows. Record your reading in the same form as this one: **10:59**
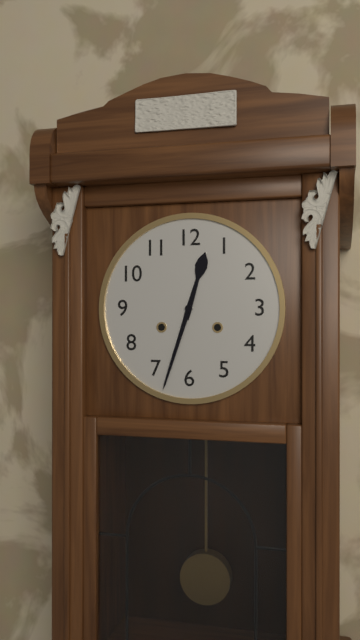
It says **12:33**
